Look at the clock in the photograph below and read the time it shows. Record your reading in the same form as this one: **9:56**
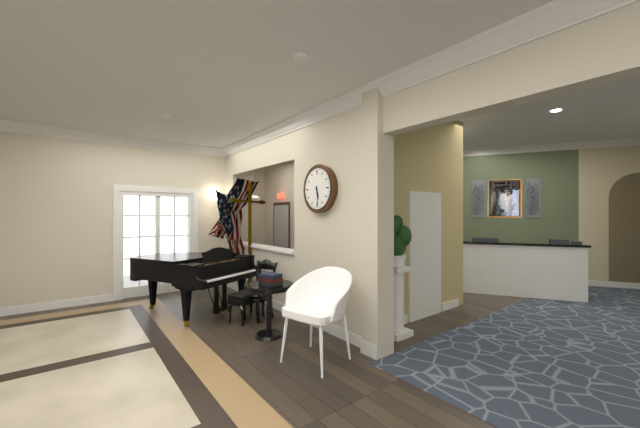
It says **5:29**
